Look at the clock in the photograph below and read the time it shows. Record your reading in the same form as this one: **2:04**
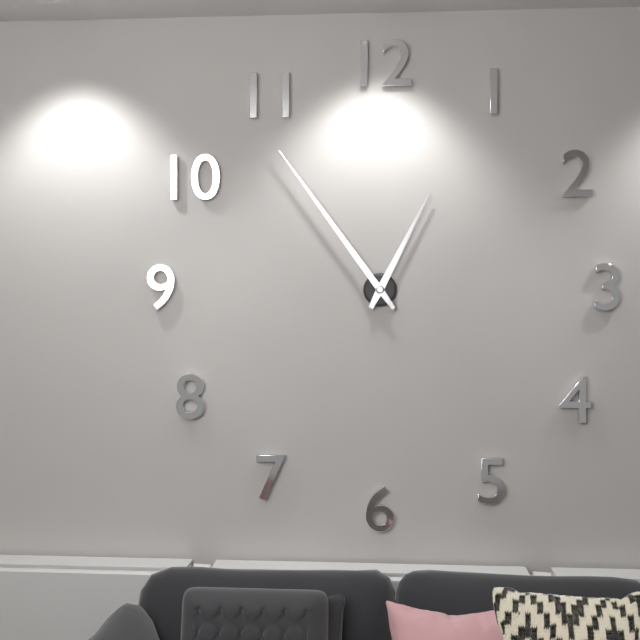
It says **12:54**
